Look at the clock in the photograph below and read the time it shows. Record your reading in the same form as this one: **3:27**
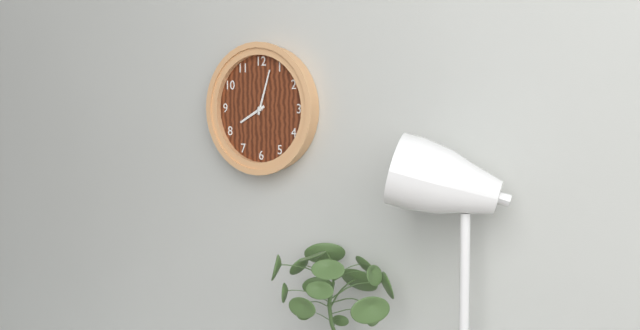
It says **8:03**
